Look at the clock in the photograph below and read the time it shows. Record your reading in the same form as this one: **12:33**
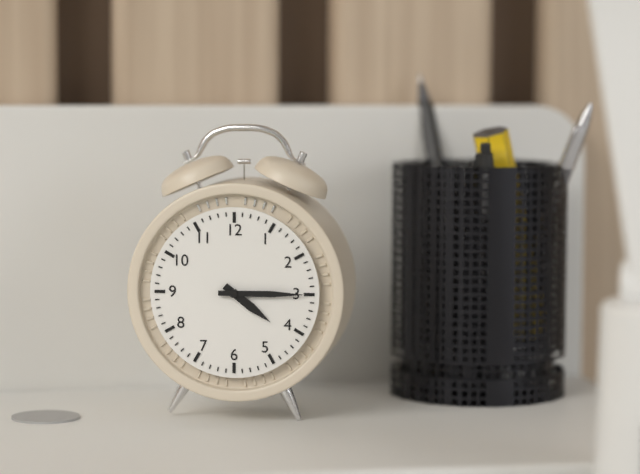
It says **4:15**
